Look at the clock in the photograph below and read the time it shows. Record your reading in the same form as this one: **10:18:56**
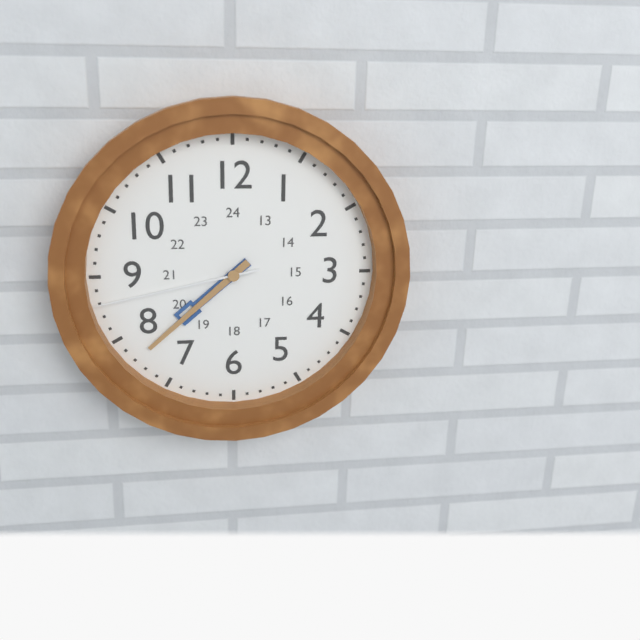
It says **7:38:43**
